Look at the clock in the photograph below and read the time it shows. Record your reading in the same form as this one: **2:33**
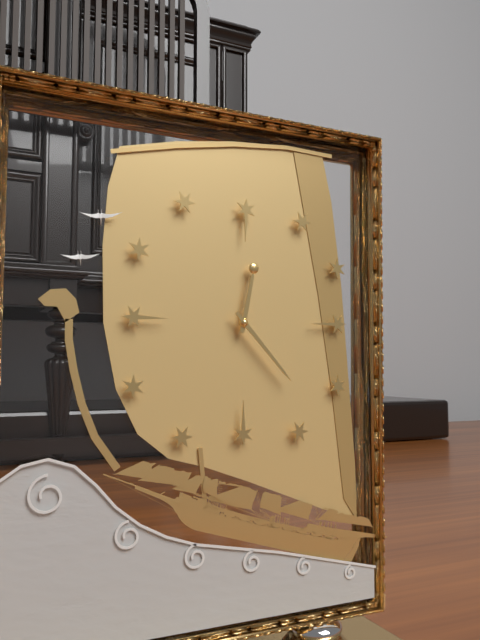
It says **12:23**
